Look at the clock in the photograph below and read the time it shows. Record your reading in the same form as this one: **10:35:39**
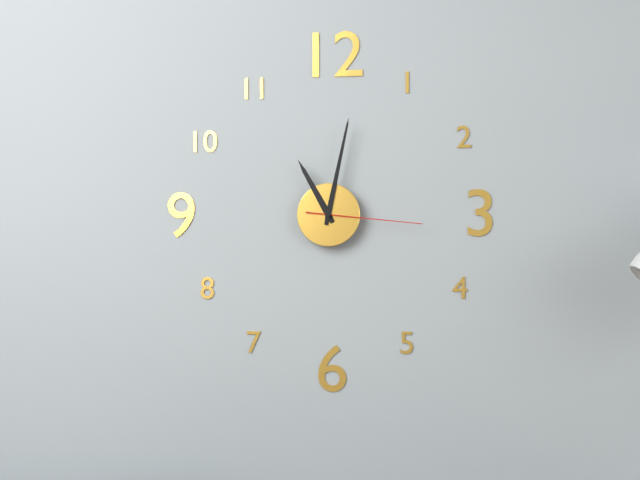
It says **11:02:16**
